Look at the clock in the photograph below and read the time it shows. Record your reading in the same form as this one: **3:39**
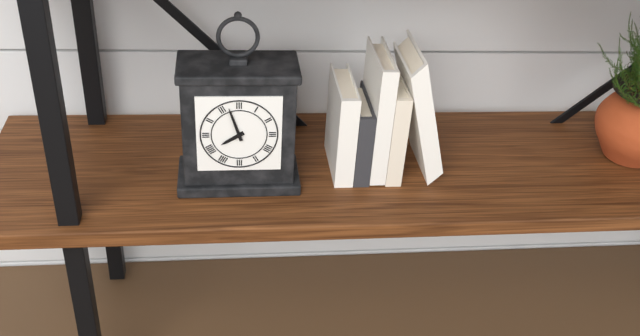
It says **7:57**
